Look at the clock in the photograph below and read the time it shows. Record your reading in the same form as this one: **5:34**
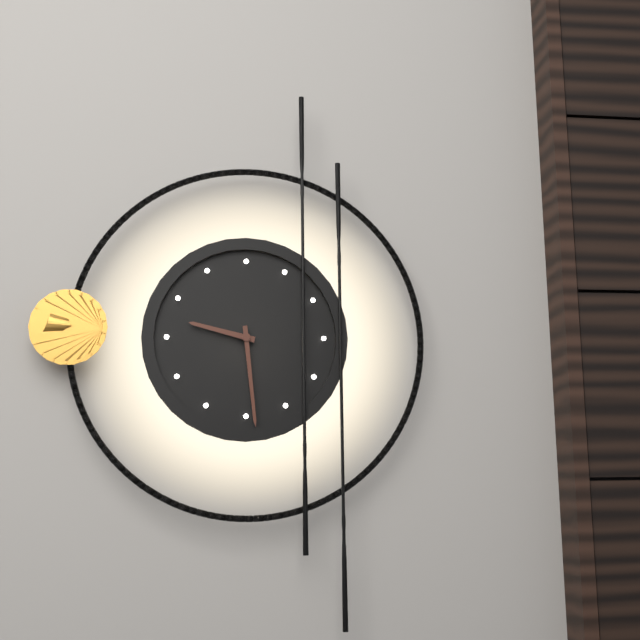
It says **9:29**
